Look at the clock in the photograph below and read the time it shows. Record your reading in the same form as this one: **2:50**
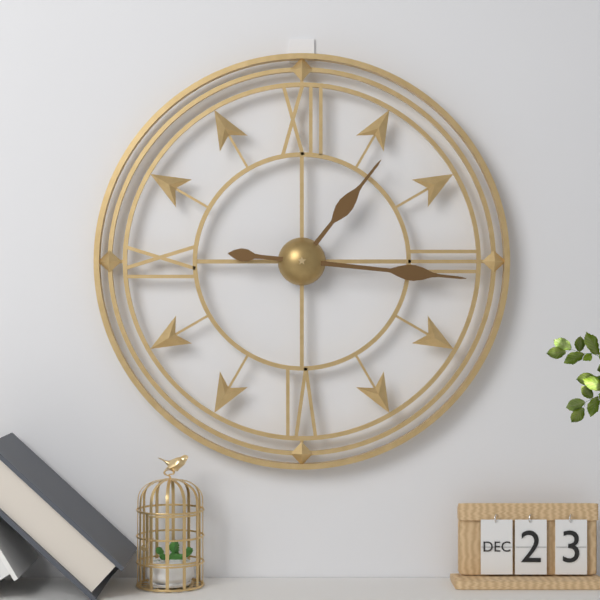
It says **1:16**
